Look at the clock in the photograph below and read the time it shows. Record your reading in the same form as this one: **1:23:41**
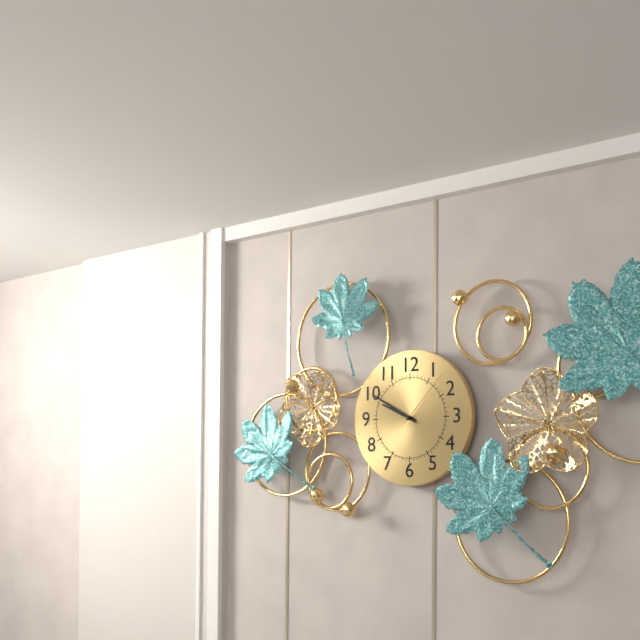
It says **9:50:07**
